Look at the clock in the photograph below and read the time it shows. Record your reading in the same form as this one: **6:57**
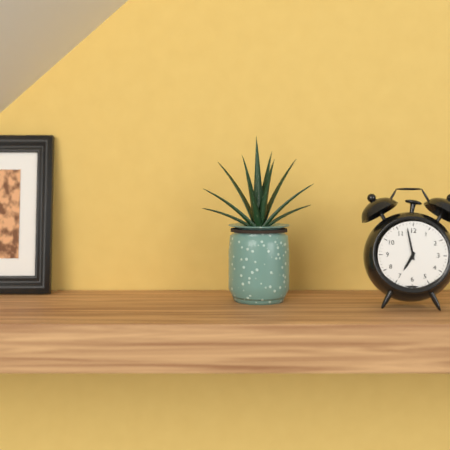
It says **6:58**
